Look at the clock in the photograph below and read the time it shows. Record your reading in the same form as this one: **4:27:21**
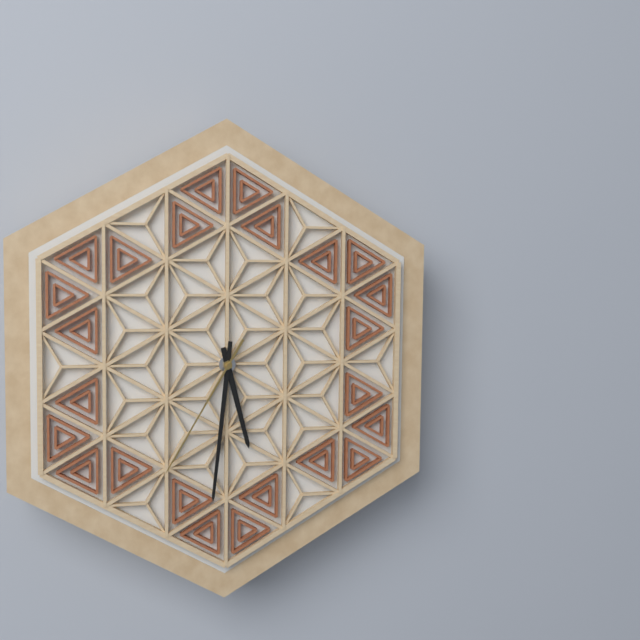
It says **5:31:35**
